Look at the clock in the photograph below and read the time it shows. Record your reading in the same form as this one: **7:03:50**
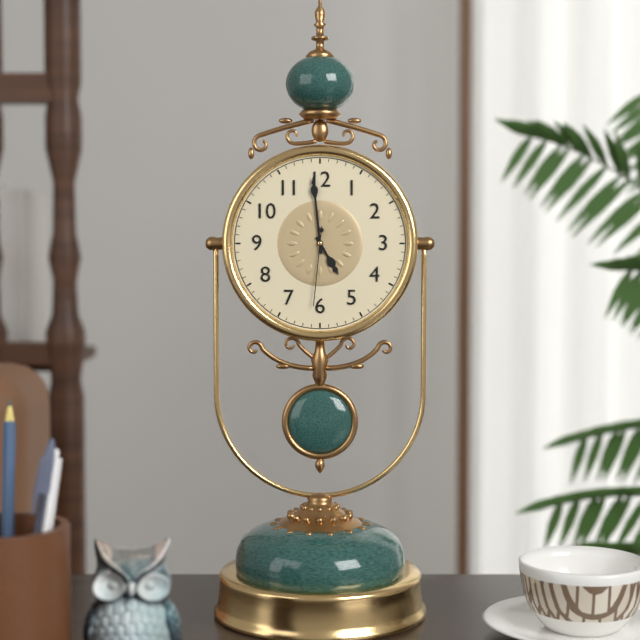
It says **4:59:31**
